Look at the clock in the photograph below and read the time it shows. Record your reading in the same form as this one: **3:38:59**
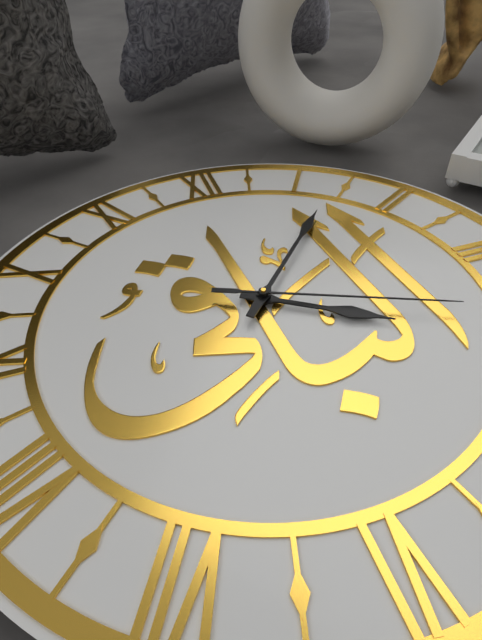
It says **4:07:19**
